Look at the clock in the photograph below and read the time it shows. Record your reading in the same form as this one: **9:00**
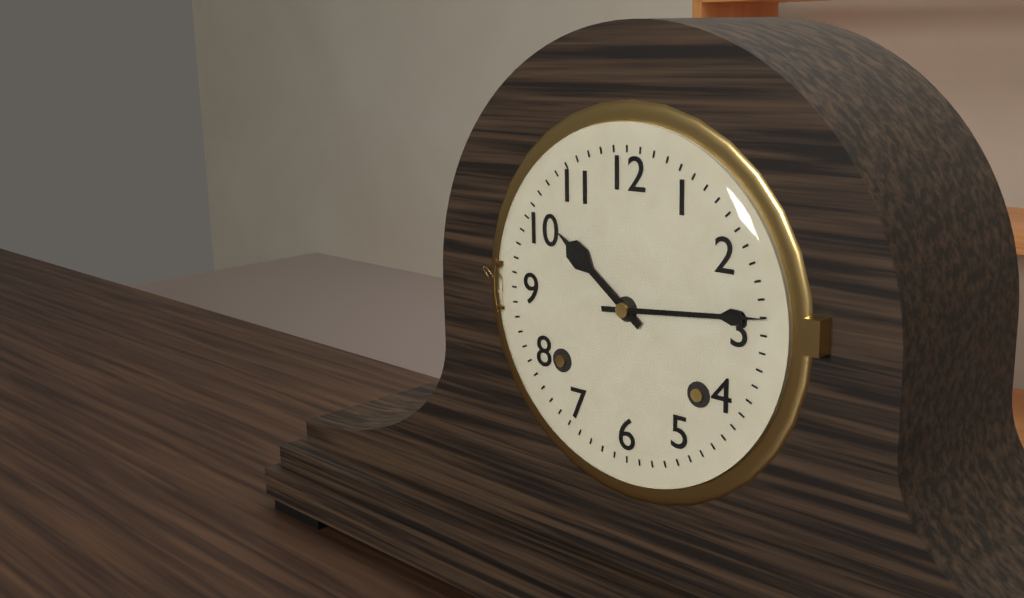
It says **10:14**
